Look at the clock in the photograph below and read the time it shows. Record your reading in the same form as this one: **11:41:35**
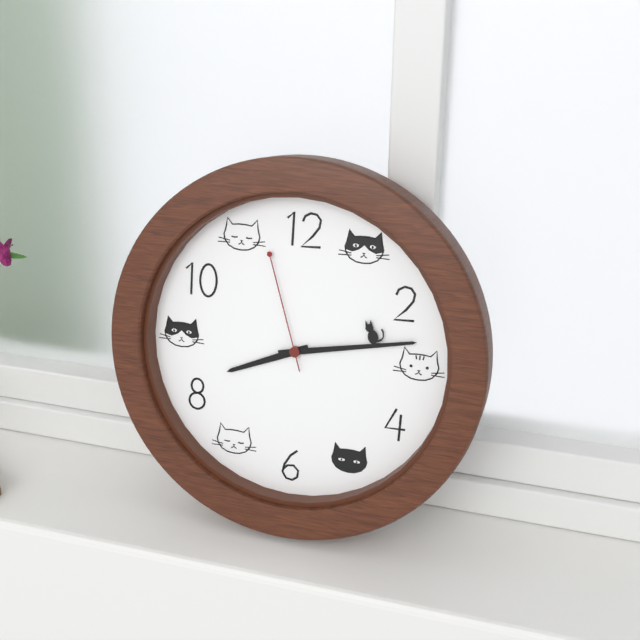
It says **8:13:57**
